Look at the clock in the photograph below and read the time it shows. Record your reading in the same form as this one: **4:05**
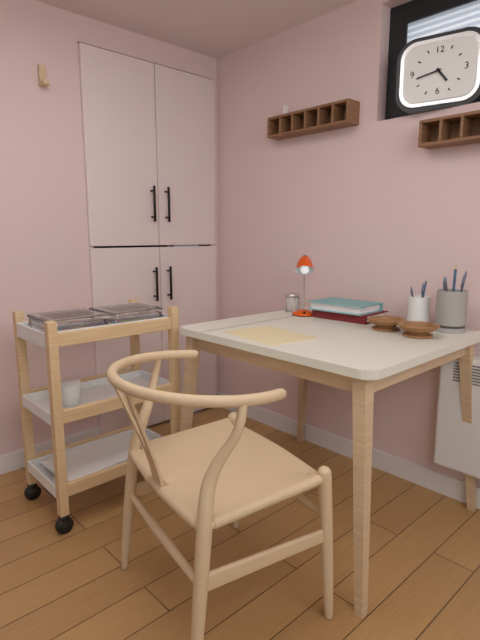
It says **4:43**
